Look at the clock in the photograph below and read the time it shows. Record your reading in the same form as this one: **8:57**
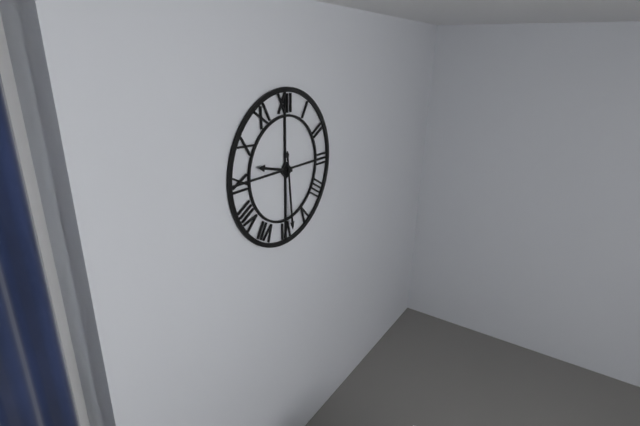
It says **9:29**
